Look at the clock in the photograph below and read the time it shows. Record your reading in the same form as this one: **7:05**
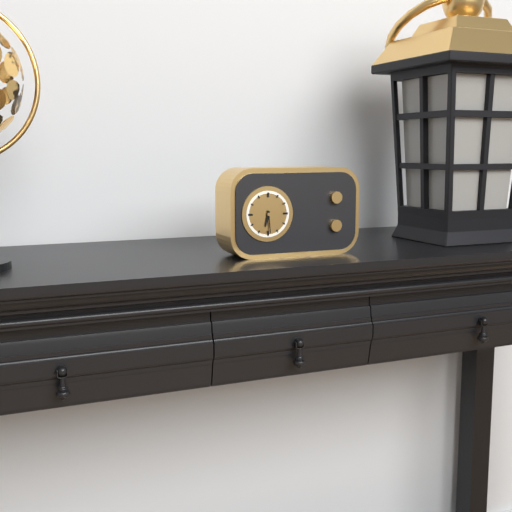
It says **6:29**
